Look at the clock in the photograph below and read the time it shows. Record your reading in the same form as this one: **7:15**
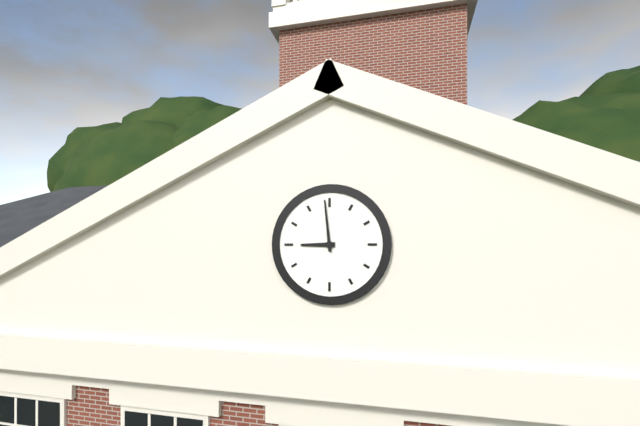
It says **8:59**
